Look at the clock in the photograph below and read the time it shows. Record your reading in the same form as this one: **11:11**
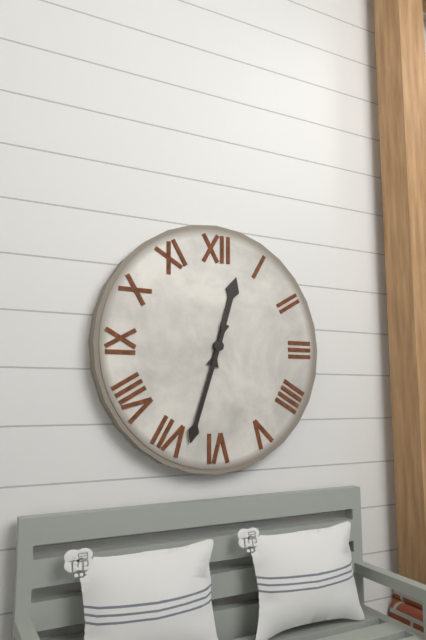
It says **12:33**
